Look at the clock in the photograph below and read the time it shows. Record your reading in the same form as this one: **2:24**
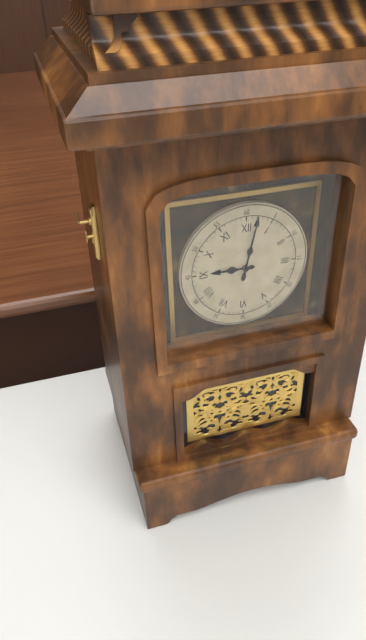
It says **9:02**
